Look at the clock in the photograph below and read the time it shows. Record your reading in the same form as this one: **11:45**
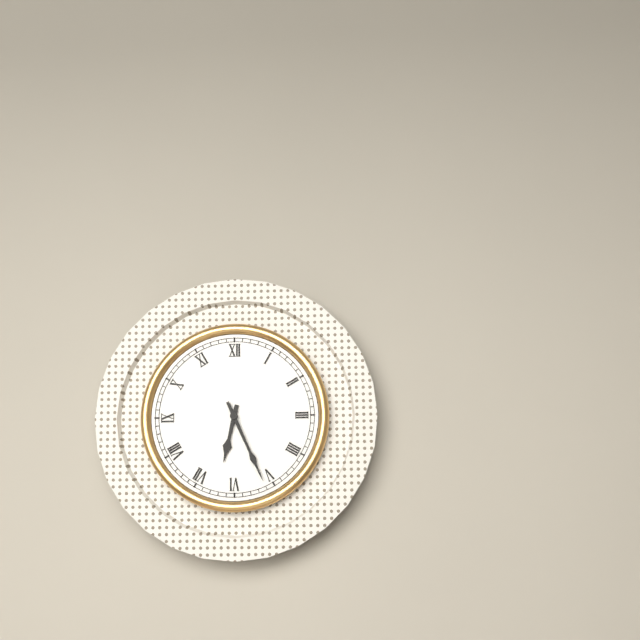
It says **6:26**
